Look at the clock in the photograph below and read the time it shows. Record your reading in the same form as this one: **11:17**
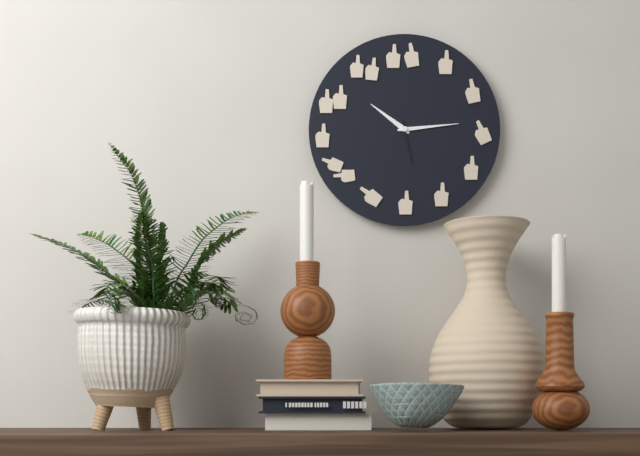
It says **10:14**
